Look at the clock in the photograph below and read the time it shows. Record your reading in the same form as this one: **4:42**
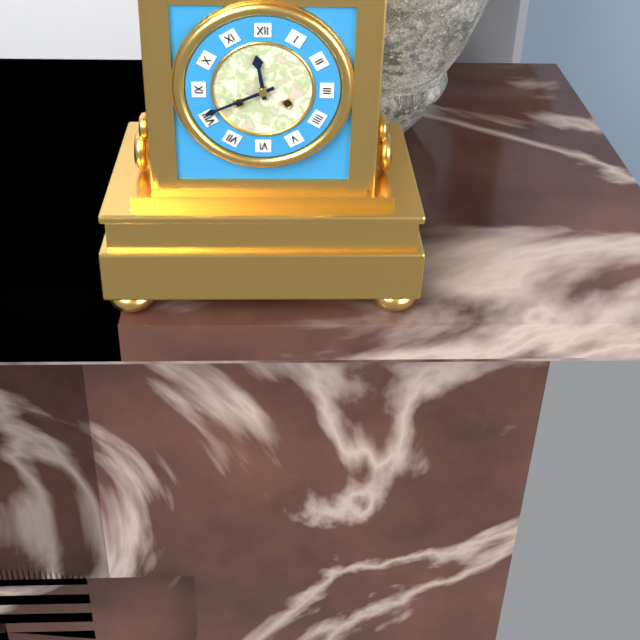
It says **11:41**
